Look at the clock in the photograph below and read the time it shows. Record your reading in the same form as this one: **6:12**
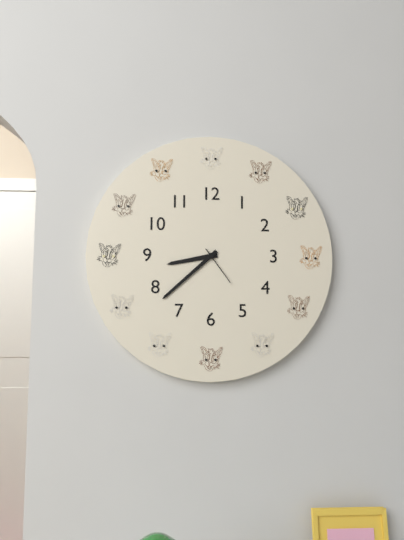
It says **8:38**
